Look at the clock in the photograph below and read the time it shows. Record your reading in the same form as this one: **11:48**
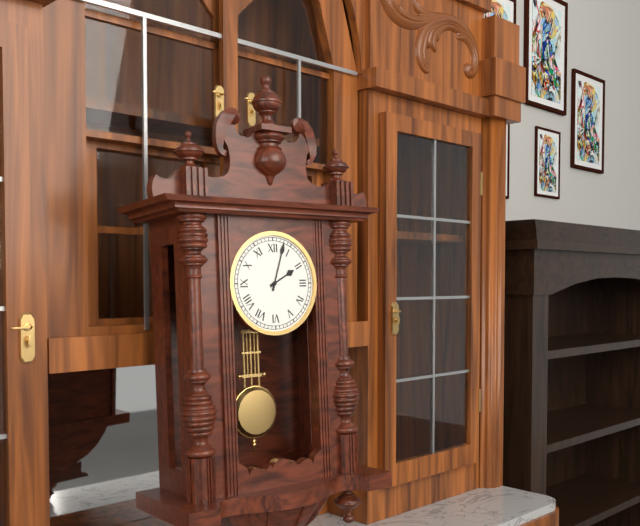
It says **2:03**
